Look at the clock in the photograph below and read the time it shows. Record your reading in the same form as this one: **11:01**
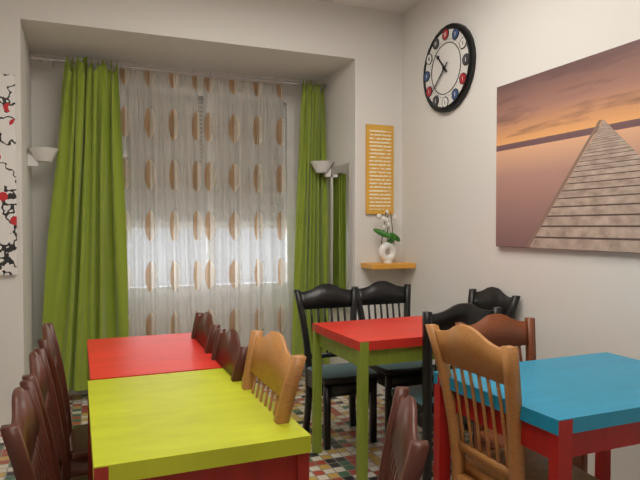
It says **10:38**
